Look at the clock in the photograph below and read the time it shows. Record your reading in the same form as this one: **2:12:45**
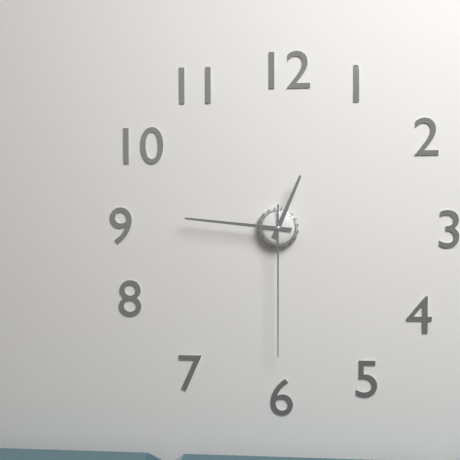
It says **12:46:30**
